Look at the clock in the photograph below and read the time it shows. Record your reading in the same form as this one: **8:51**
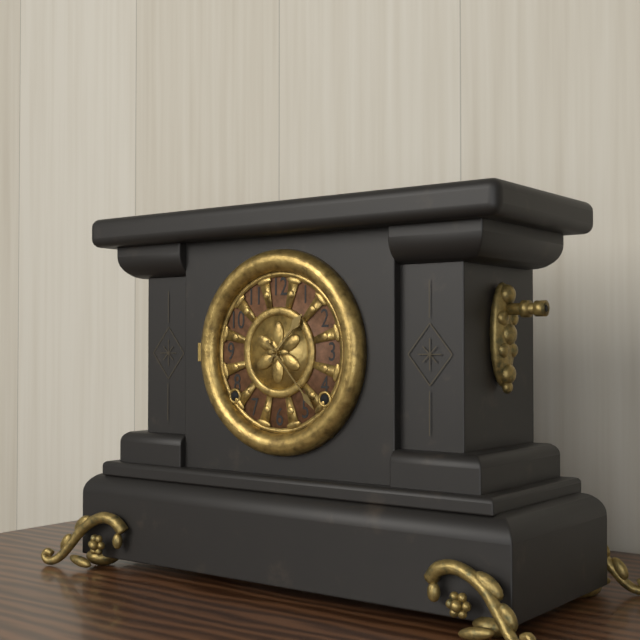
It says **1:23**
